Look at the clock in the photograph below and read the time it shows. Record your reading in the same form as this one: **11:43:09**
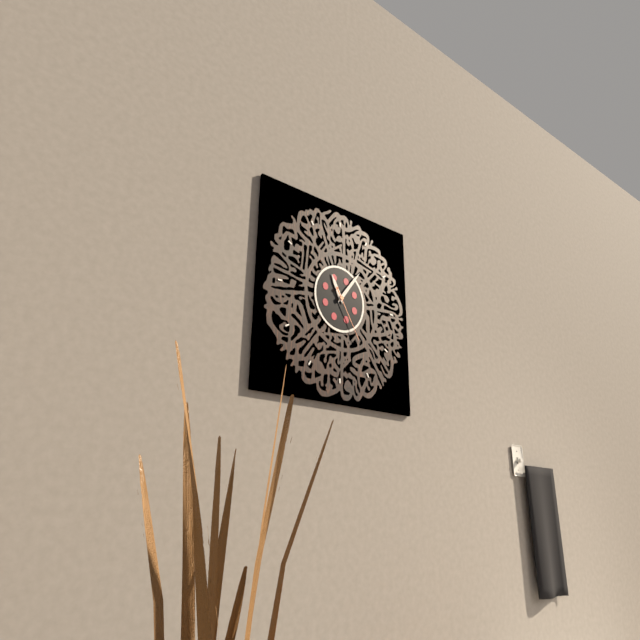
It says **11:06:25**
